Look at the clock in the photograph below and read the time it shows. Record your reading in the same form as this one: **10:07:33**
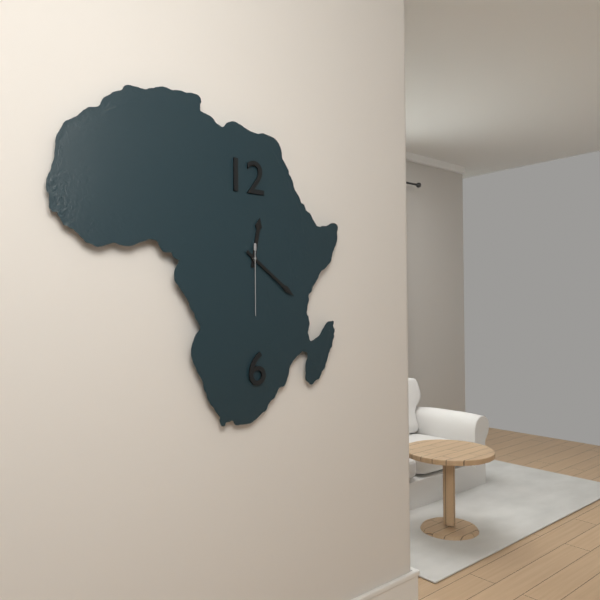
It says **12:21:30**
